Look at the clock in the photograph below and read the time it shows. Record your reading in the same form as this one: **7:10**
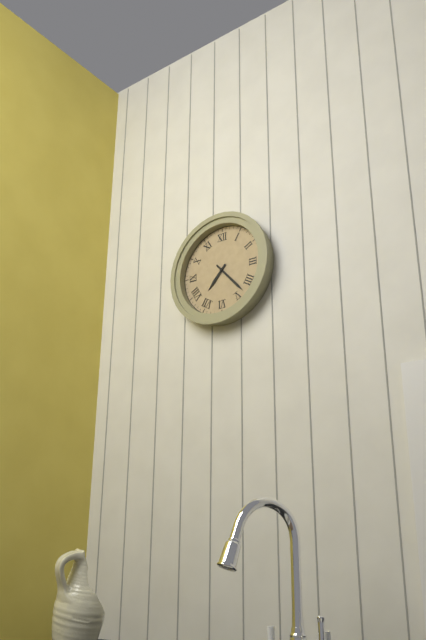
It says **7:23**
